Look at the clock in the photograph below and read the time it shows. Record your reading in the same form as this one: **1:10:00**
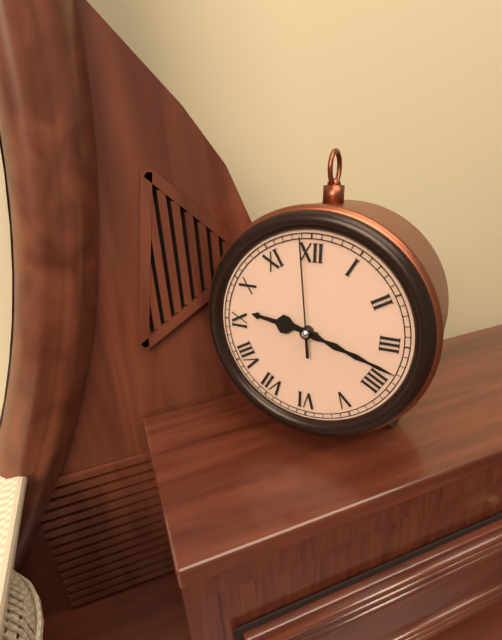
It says **9:18:59**
